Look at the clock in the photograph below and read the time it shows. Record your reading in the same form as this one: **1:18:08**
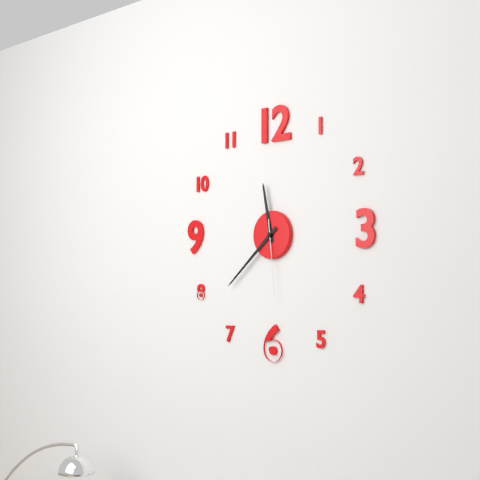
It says **11:38:29**
